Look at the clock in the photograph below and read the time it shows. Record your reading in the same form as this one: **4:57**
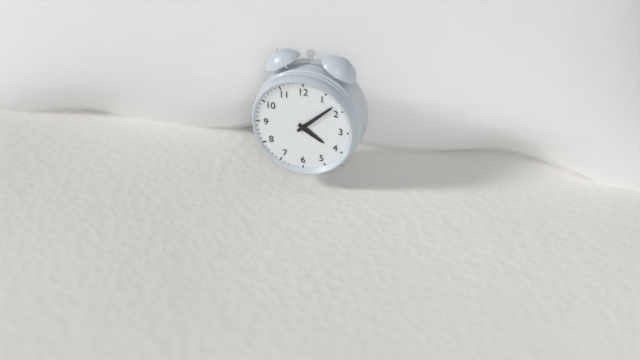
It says **4:08**
